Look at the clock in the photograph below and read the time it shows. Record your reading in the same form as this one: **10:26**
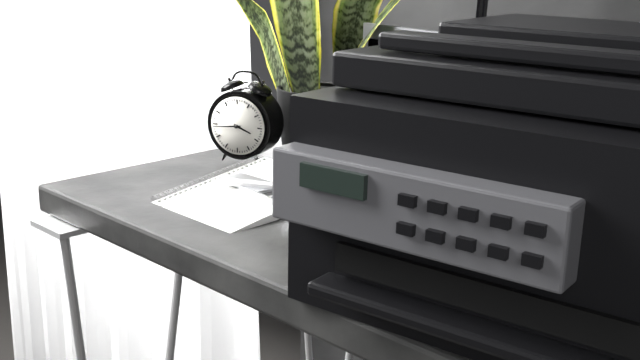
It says **3:44**
